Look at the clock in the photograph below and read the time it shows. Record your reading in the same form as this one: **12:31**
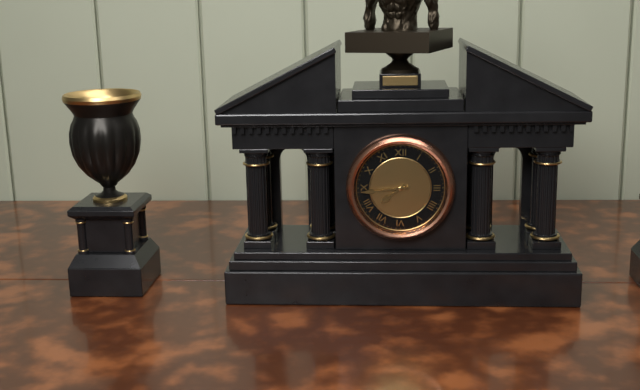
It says **7:44**
